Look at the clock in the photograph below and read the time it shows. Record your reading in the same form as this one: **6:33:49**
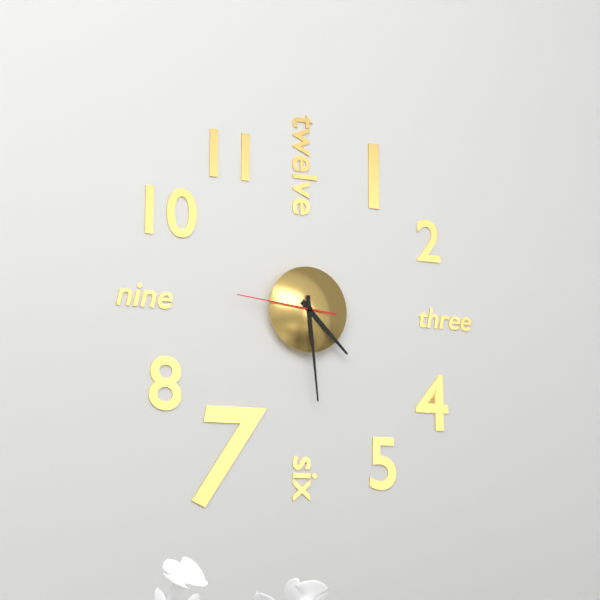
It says **4:29:46**
